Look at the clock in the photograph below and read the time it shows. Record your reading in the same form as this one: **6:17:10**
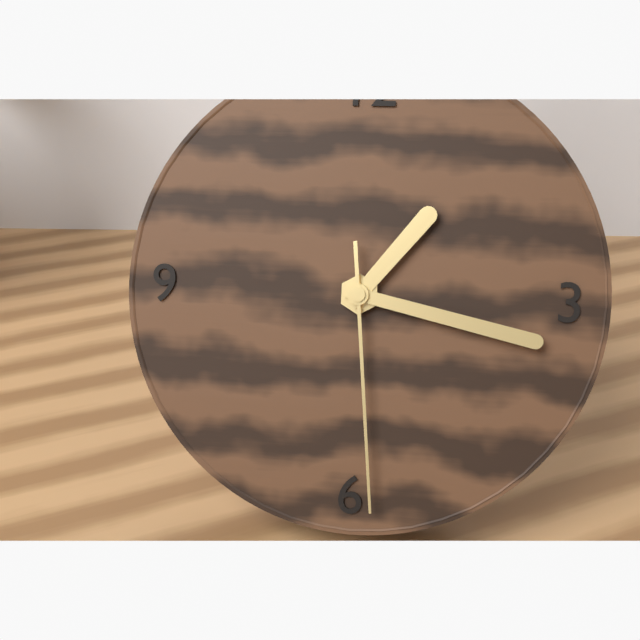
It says **1:17:29**
